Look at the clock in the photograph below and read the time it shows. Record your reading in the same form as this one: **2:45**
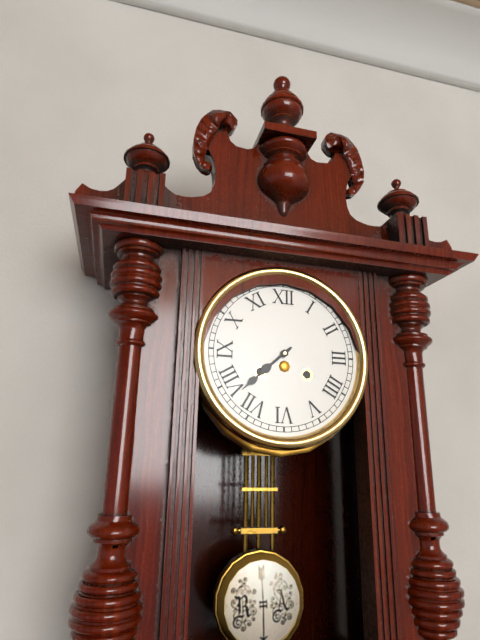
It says **7:38**
